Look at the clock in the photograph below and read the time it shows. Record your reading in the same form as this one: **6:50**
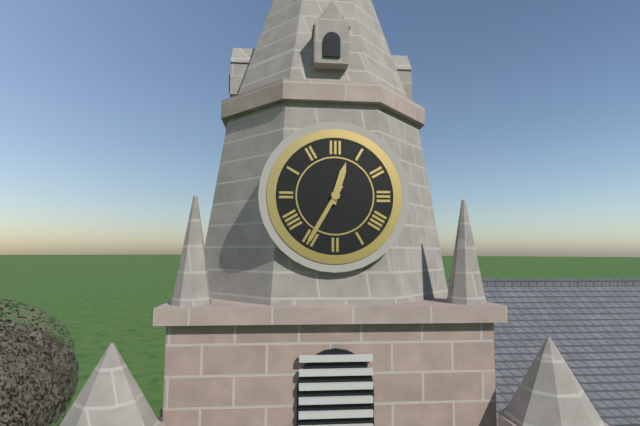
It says **12:35**
